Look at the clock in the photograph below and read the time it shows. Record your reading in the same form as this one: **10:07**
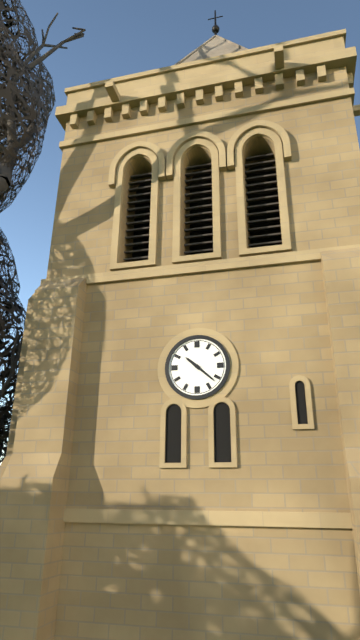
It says **10:22**
